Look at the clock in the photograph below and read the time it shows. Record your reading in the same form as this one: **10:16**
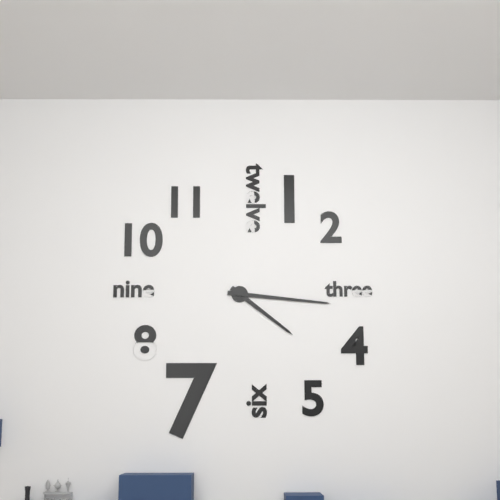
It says **4:16**
